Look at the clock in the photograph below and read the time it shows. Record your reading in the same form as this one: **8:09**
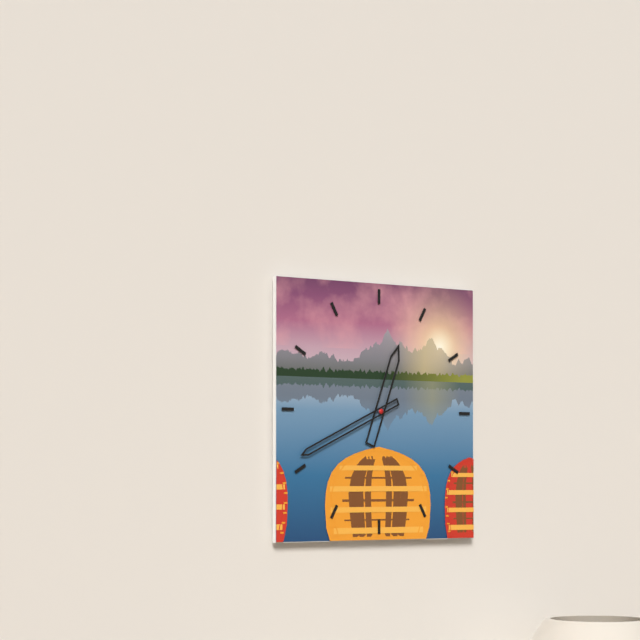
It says **12:41**
